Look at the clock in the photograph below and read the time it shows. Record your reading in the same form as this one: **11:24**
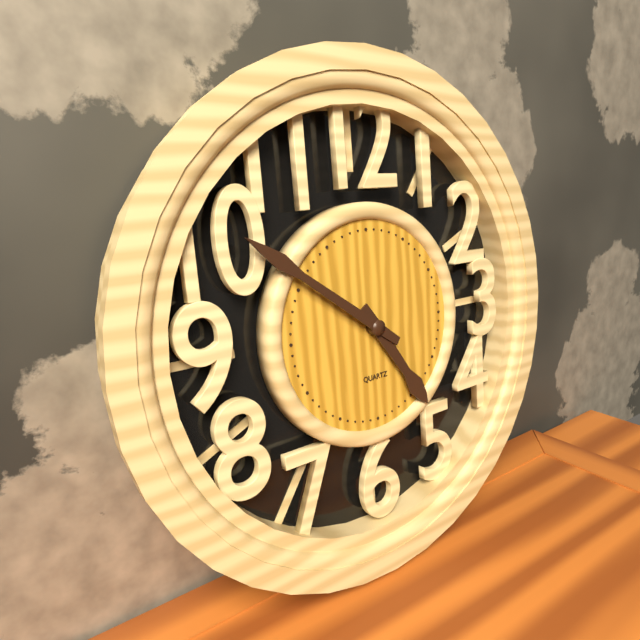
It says **4:51**
